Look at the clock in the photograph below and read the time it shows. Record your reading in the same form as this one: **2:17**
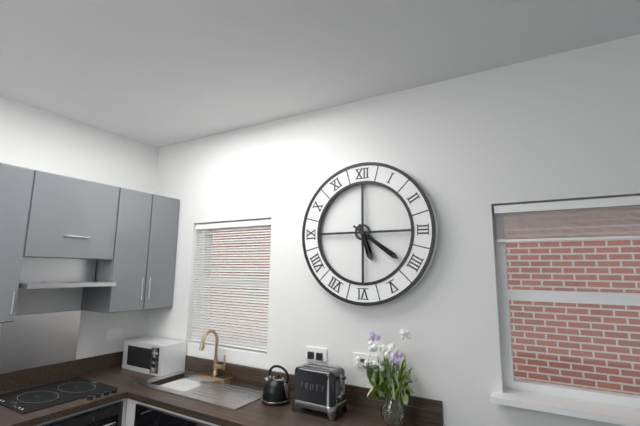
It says **5:21**
